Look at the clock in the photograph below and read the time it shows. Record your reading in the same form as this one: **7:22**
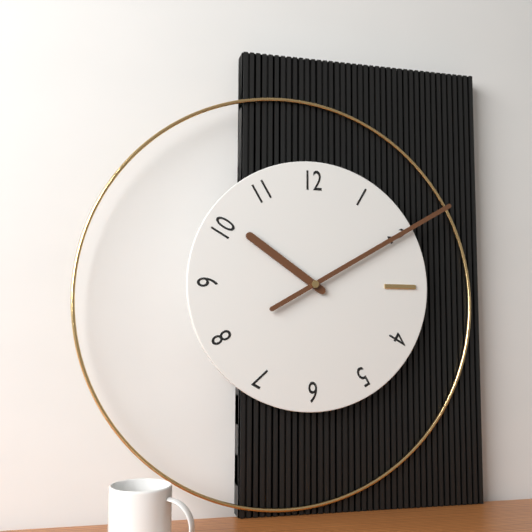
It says **10:10**
